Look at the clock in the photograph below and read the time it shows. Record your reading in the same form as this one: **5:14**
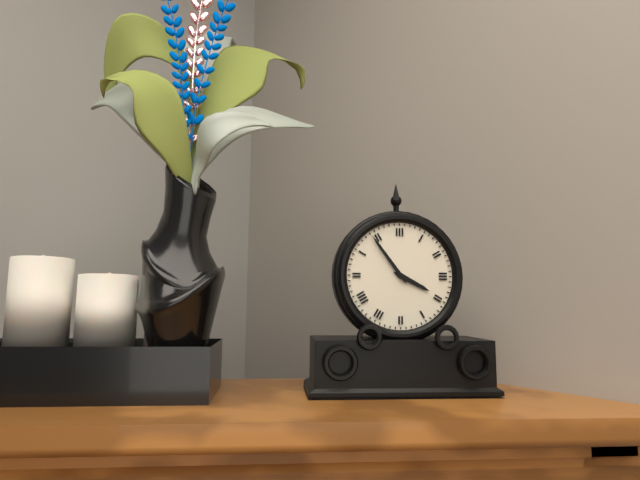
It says **3:54**
